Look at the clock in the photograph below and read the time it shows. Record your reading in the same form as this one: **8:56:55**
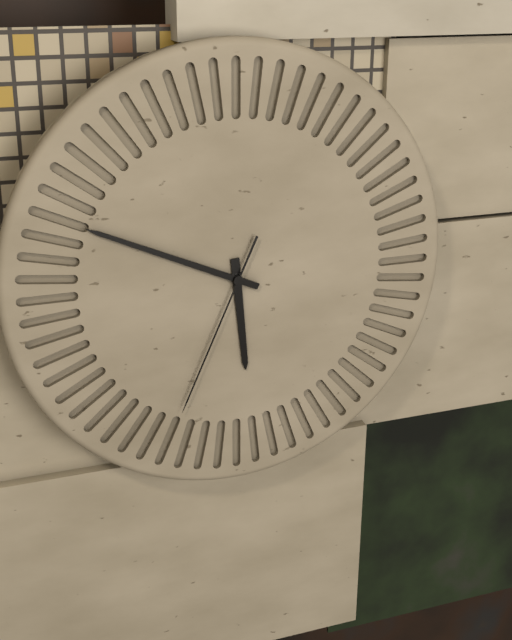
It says **5:49:34**
